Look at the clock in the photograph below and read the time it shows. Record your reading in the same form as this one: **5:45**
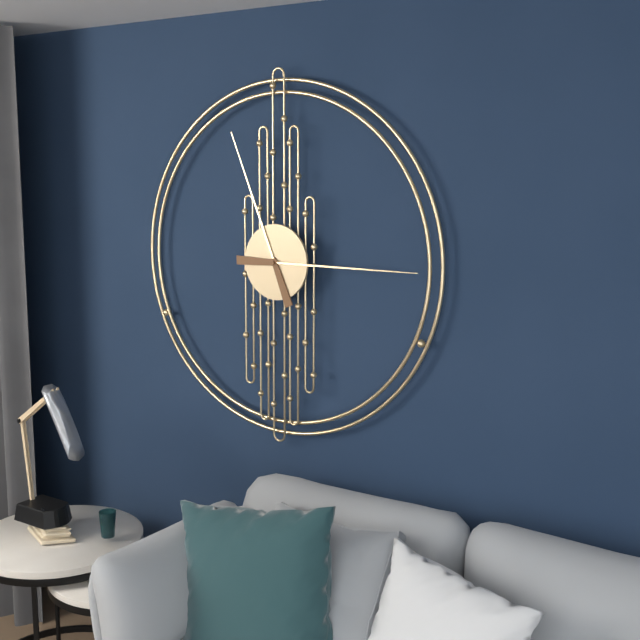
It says **11:15**
